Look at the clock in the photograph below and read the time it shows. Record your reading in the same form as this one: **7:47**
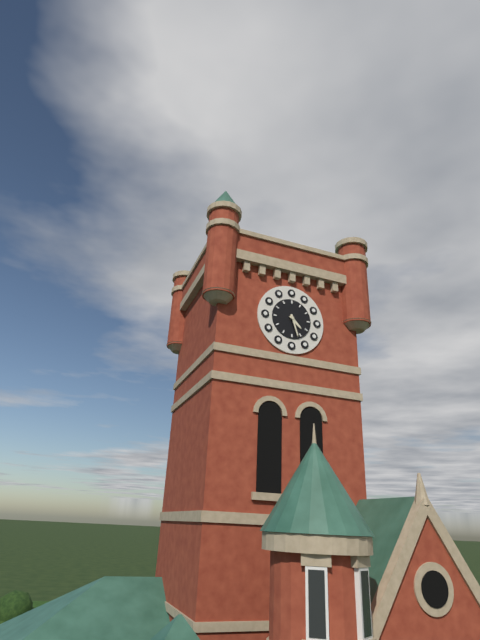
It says **4:27**
